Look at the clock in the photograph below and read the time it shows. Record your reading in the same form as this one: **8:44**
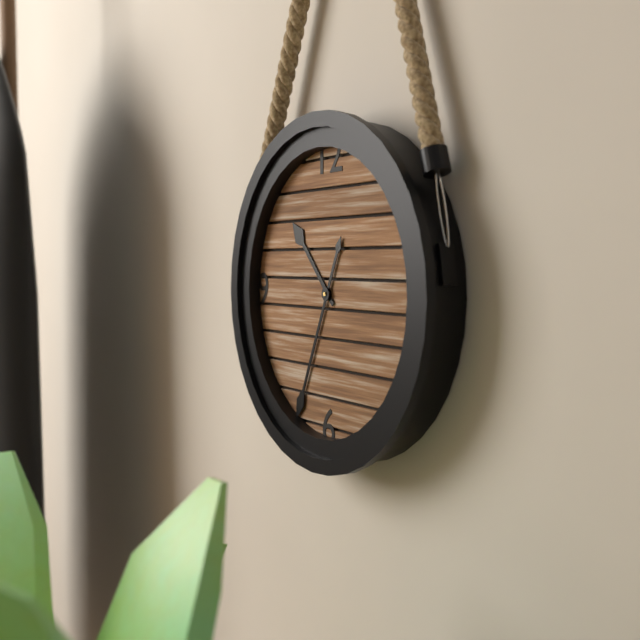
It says **10:34**
